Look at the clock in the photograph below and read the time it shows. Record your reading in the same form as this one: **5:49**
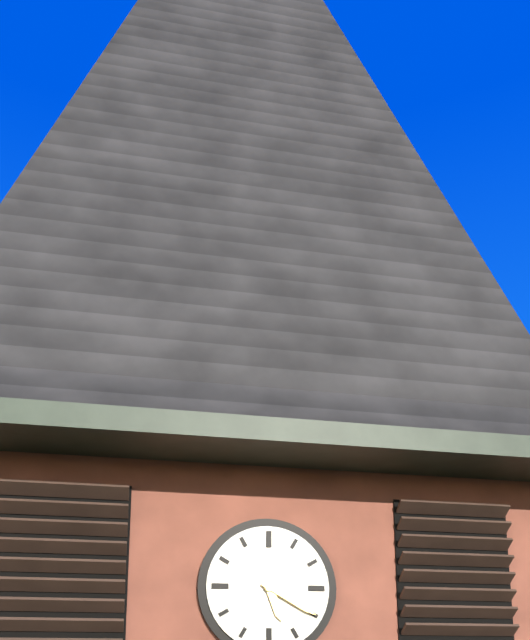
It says **5:20**
